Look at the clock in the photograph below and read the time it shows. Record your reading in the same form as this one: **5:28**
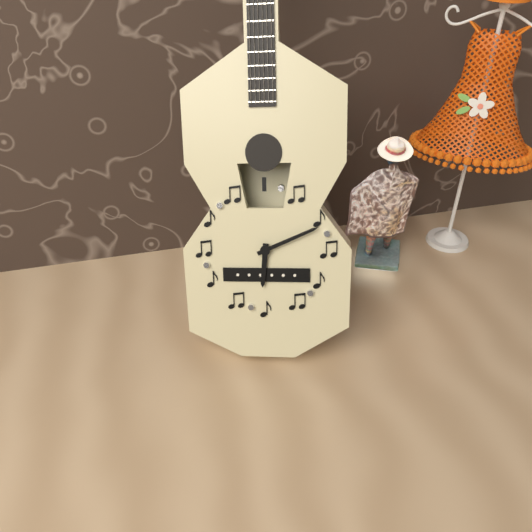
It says **6:11**
